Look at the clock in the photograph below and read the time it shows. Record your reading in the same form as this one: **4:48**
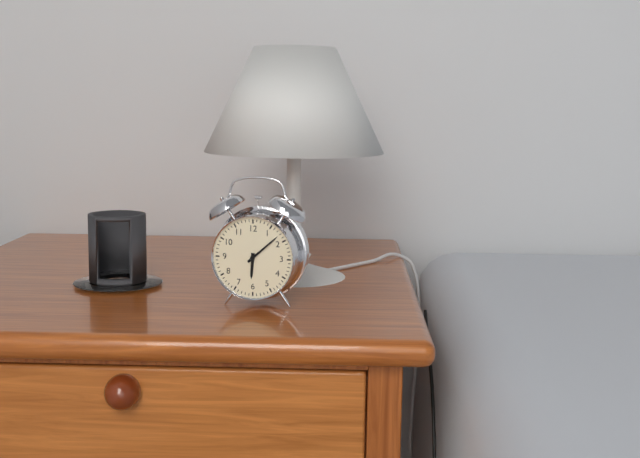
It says **6:08**
